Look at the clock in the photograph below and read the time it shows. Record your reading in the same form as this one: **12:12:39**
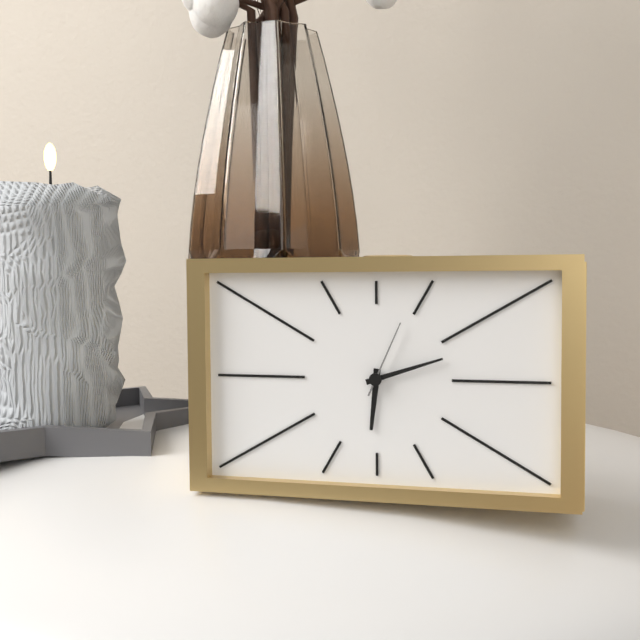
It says **6:12:04**
